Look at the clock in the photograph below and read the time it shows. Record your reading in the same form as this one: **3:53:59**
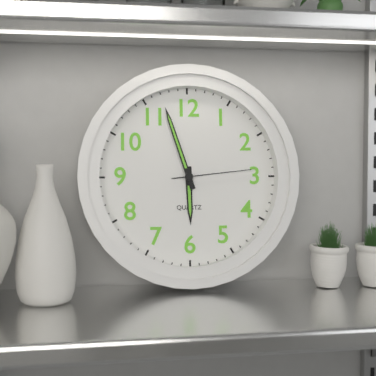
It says **5:57:14**
